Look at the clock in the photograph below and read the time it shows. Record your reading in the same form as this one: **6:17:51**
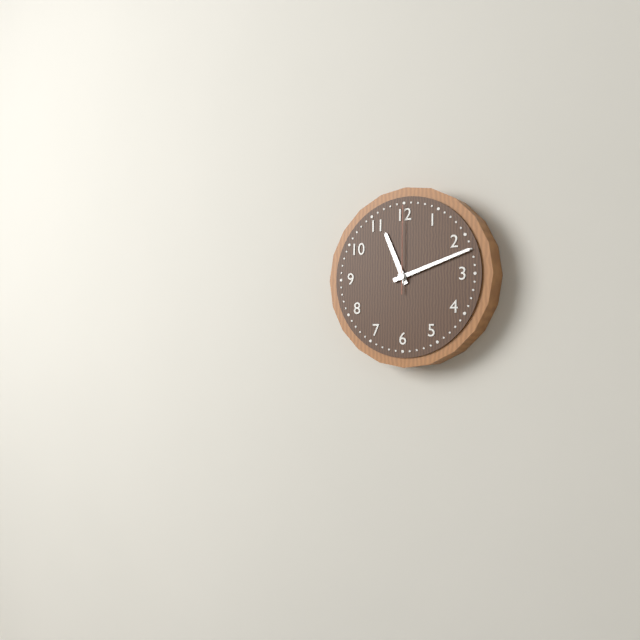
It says **11:12:00**
